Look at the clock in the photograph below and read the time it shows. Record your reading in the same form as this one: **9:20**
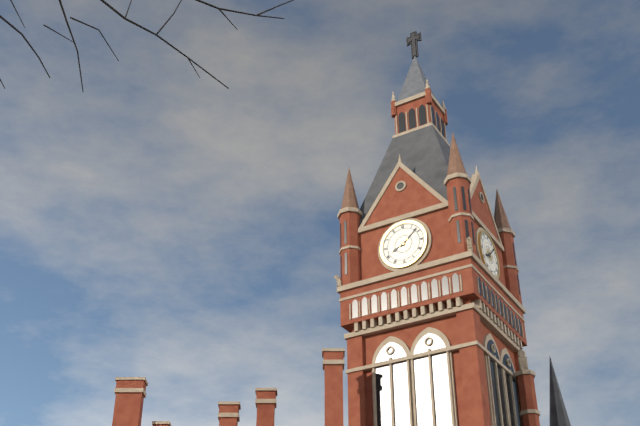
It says **8:08**
